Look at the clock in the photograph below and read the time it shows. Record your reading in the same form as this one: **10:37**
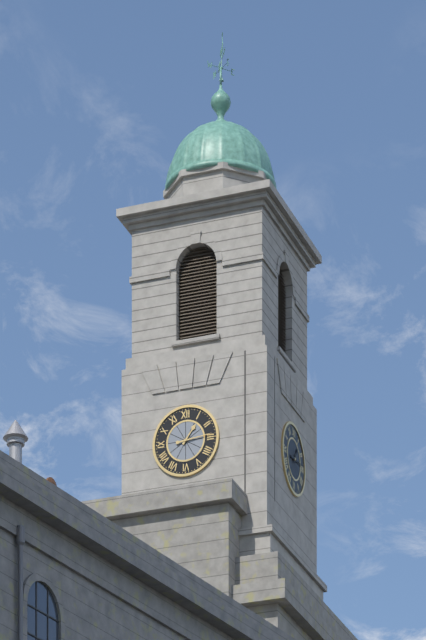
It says **1:14**
